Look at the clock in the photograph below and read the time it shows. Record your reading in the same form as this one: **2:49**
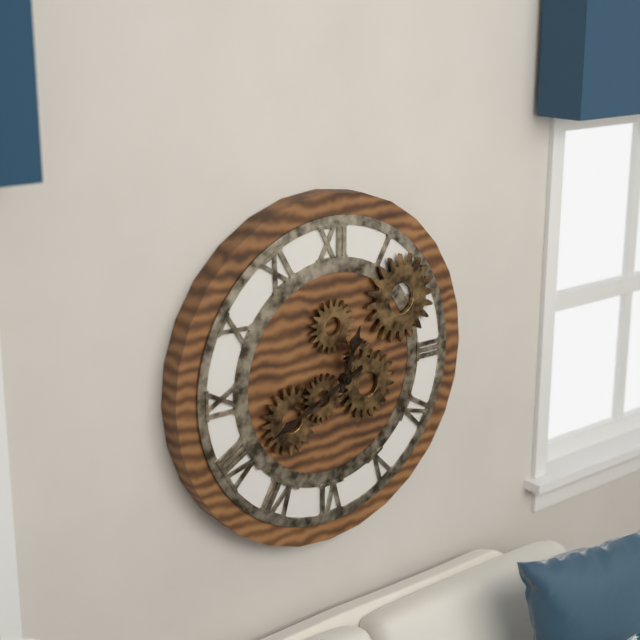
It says **12:41**
